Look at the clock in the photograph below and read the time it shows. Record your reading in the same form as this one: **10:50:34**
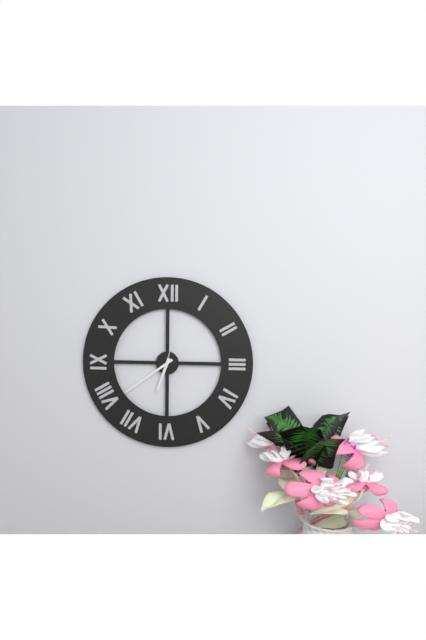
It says **6:39:02**
